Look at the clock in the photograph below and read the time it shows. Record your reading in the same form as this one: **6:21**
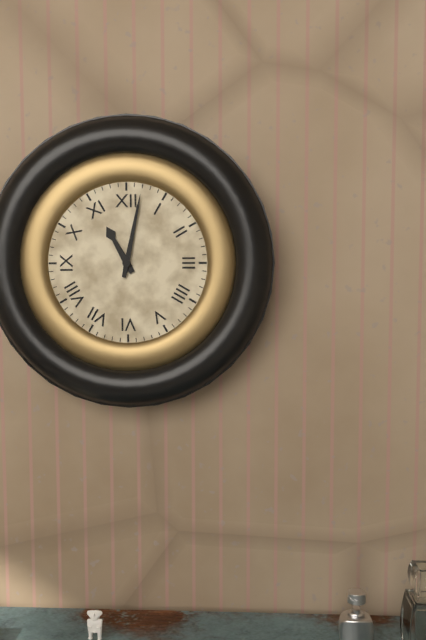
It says **11:02**
